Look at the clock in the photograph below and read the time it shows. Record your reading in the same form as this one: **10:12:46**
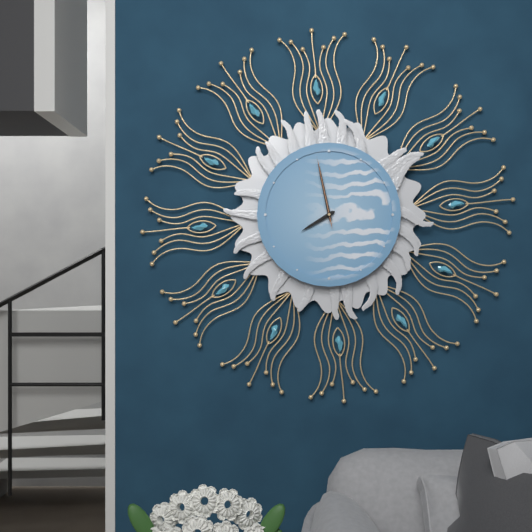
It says **7:58:58**
